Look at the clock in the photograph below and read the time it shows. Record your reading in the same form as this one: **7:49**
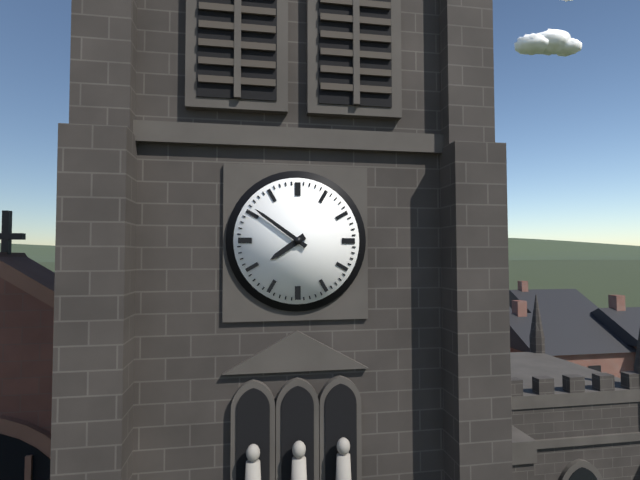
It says **7:51**
